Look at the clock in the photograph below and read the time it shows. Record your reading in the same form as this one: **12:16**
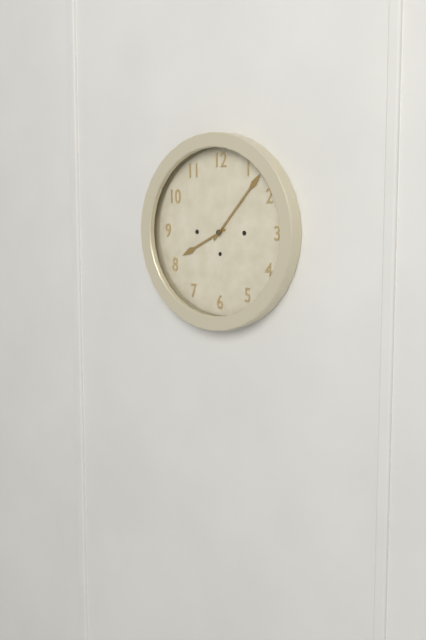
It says **8:07**
